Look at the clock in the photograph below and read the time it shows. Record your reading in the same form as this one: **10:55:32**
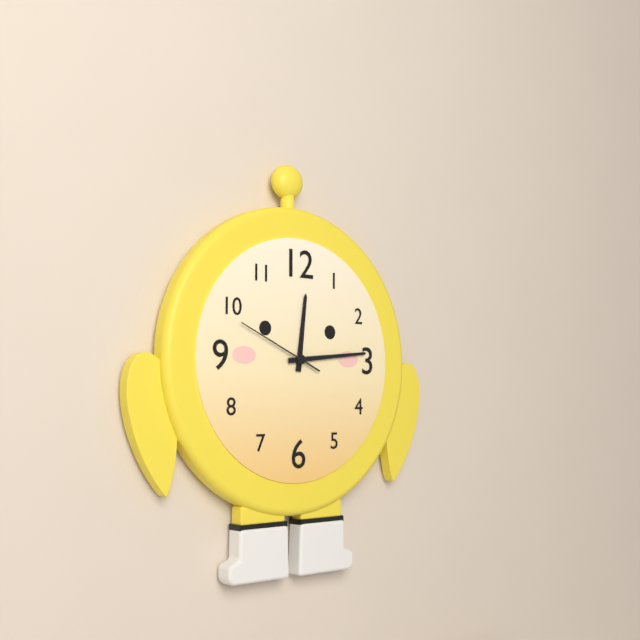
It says **12:14:49**
